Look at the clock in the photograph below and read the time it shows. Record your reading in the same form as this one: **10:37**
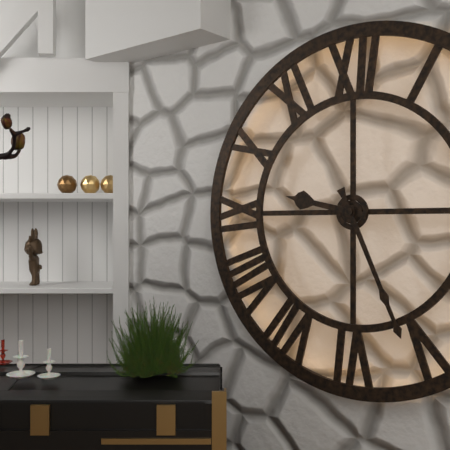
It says **9:26**
